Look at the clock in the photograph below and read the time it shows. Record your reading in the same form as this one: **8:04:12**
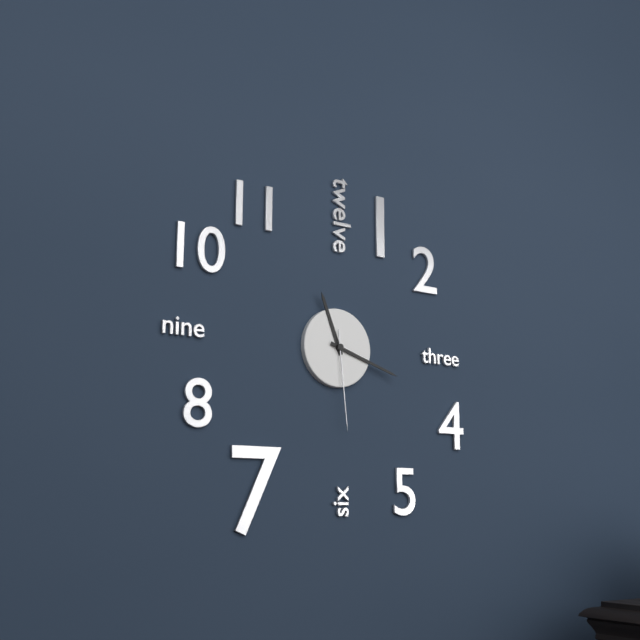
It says **11:18:29**
